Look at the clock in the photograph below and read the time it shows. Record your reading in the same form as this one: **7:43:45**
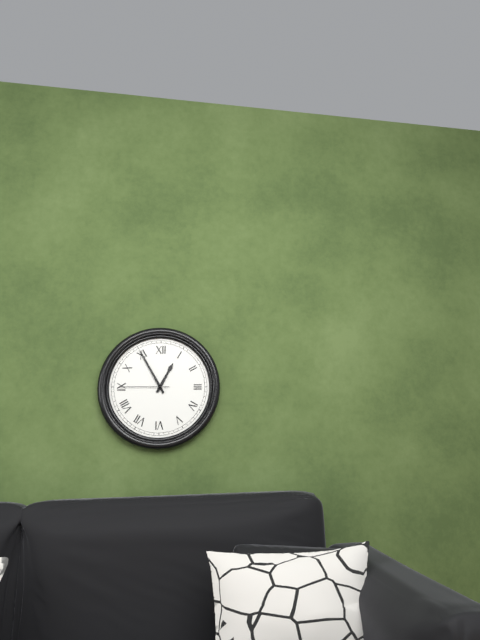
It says **12:55:45**
